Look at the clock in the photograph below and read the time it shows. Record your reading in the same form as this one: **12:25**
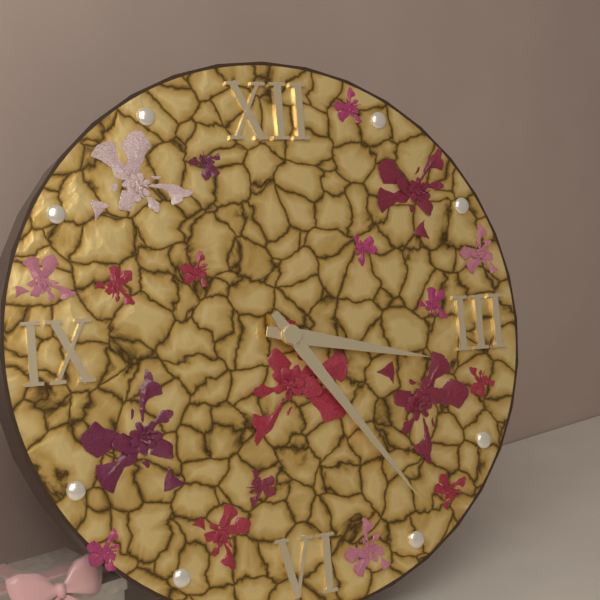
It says **3:24**
